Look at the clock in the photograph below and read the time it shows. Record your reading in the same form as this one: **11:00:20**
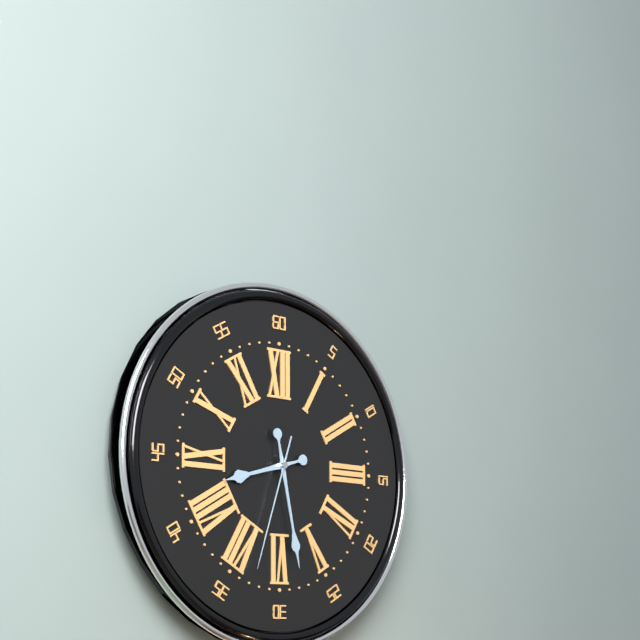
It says **8:28:33**
